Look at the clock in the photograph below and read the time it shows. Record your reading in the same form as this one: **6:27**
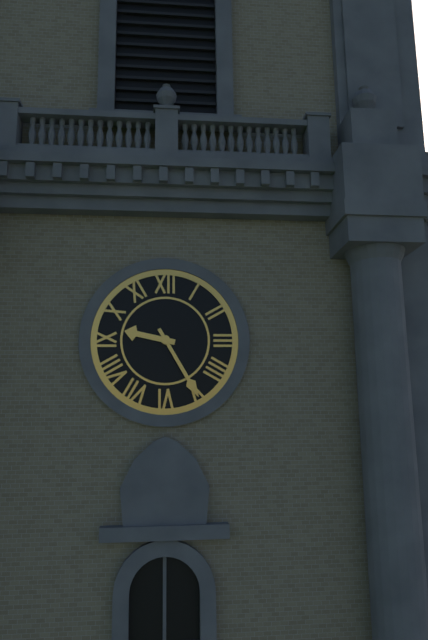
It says **9:25**
